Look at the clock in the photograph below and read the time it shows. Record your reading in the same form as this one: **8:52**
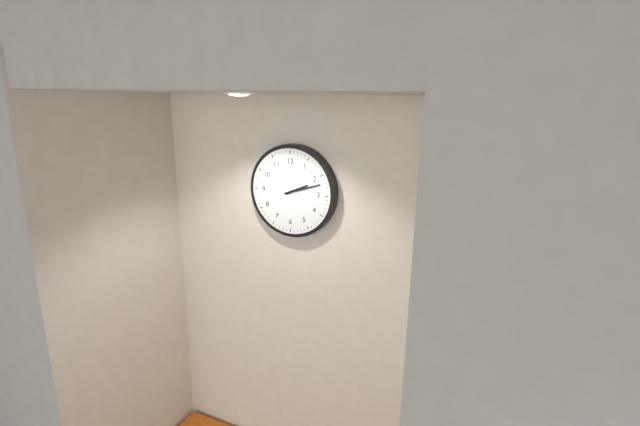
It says **2:12**
